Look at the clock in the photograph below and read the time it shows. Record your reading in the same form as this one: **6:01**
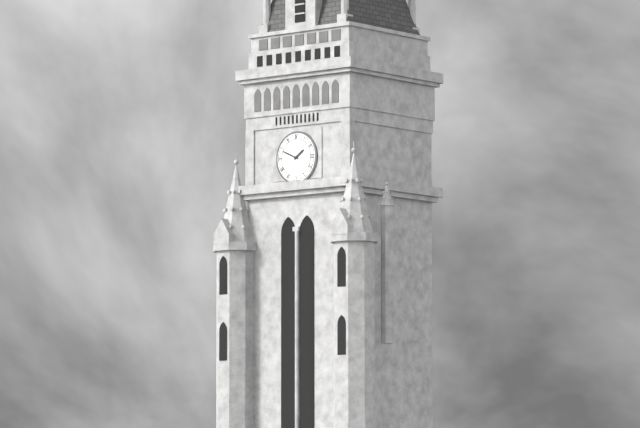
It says **1:49**
